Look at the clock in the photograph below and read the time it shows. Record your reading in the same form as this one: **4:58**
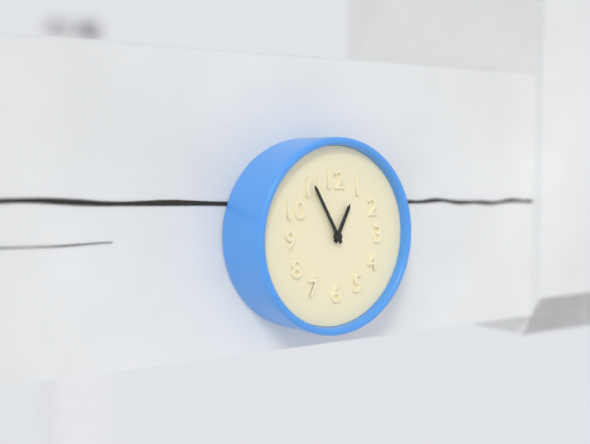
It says **12:55**
